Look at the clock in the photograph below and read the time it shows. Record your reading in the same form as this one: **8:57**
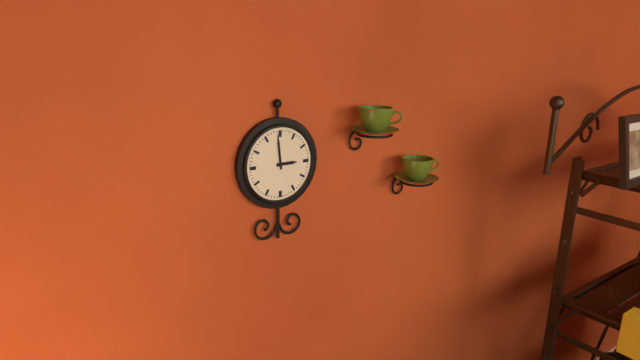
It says **2:59**
